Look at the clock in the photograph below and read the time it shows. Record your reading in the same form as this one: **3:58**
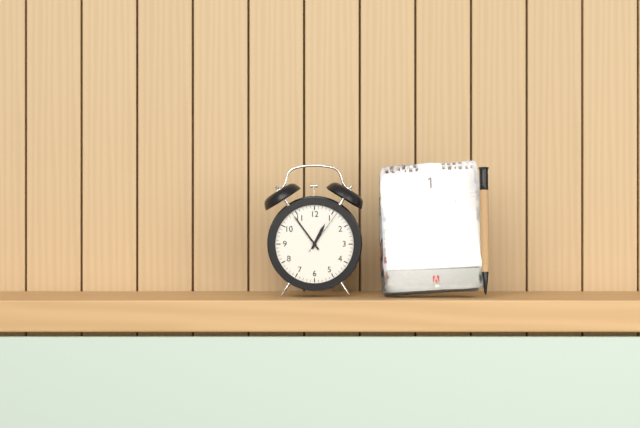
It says **12:54**
